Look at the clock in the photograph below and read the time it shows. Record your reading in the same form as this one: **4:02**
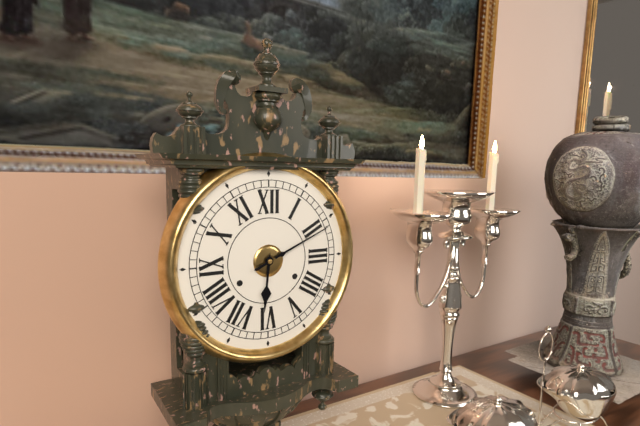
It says **6:11**
